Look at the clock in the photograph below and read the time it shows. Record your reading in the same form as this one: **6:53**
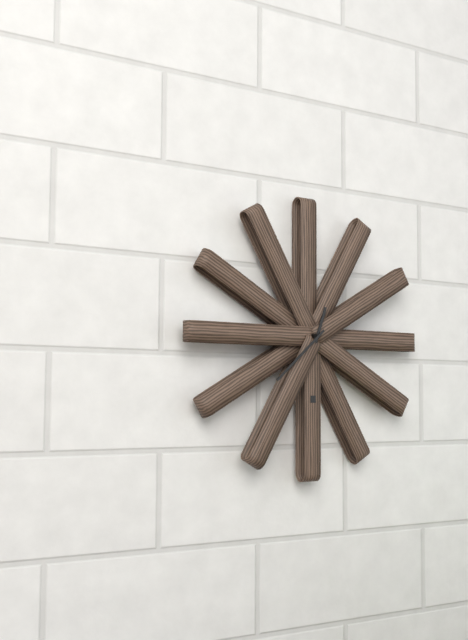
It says **12:38**
